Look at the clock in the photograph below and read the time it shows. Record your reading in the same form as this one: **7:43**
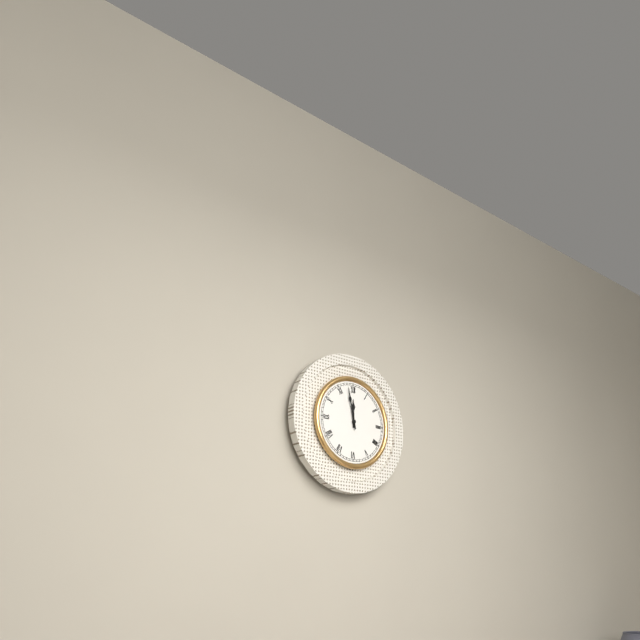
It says **11:58**
